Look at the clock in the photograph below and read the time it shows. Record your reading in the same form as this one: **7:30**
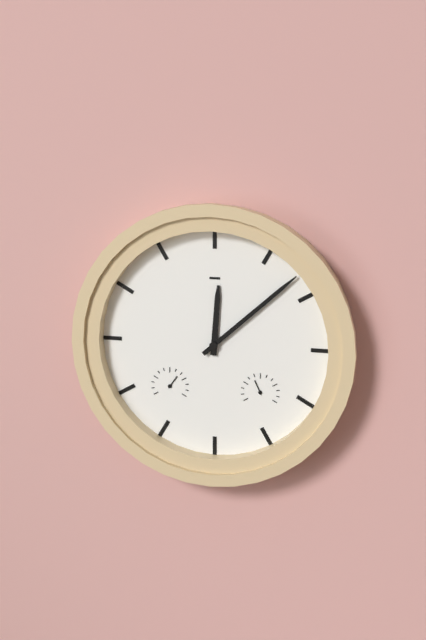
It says **12:08**
